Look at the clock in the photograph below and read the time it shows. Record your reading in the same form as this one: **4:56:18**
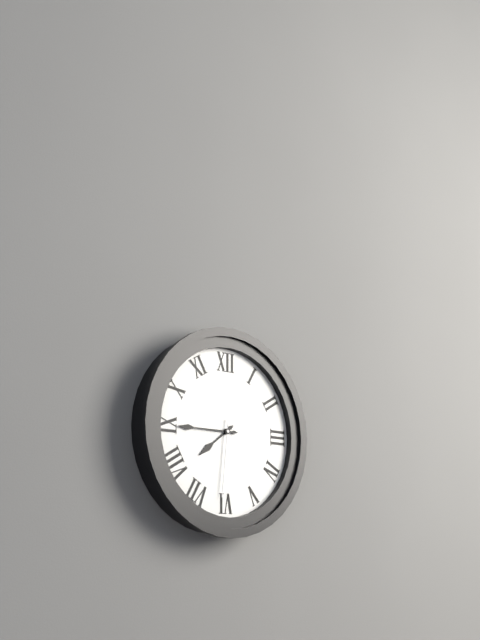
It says **7:45:31**
